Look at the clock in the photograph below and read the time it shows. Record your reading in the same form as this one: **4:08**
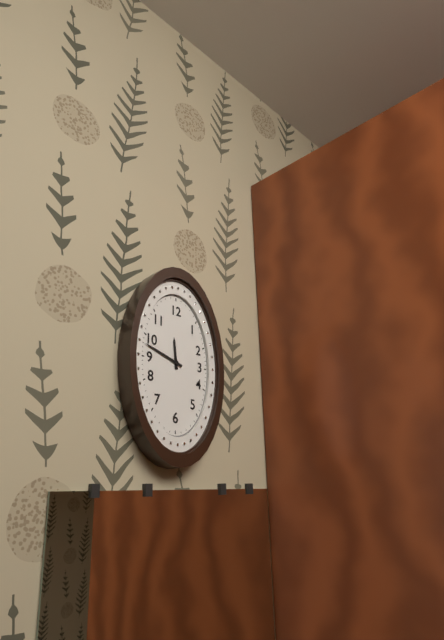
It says **11:48**
